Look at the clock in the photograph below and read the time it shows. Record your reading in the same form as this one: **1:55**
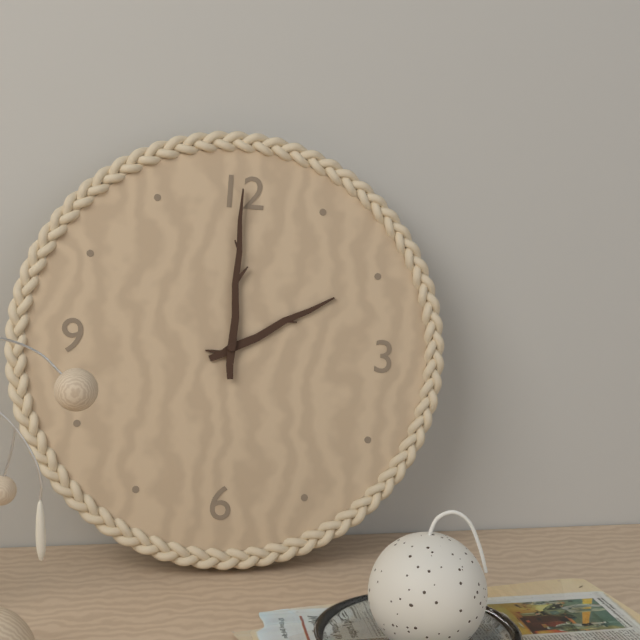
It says **2:00**
